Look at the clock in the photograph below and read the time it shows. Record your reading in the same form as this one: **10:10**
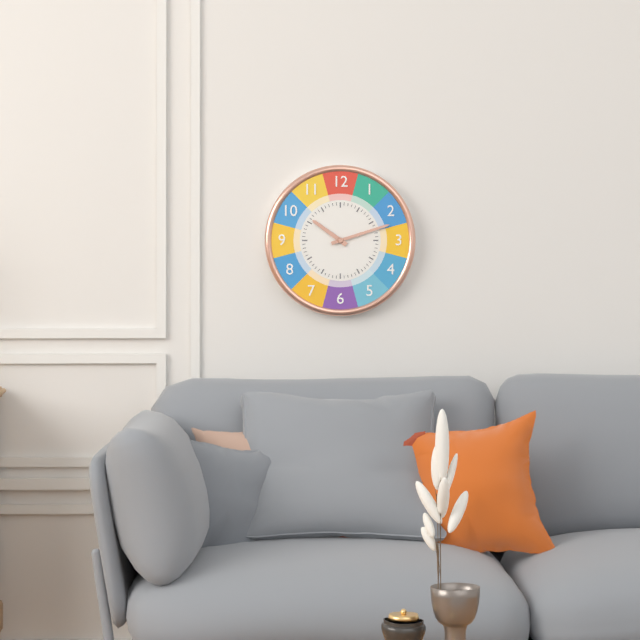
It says **10:12**
